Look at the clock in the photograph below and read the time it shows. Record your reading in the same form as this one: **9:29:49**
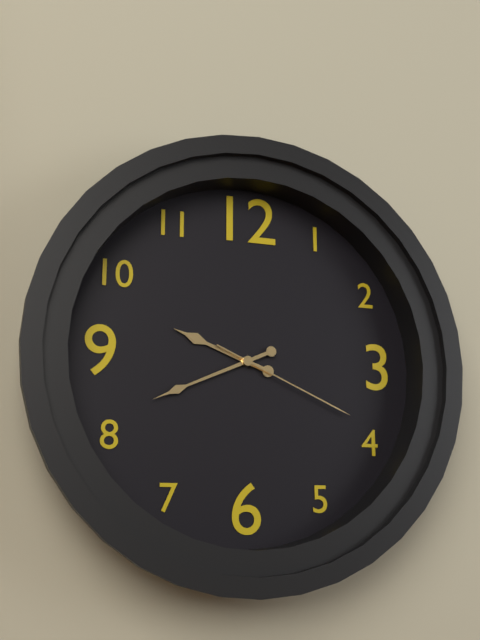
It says **9:41:19**
